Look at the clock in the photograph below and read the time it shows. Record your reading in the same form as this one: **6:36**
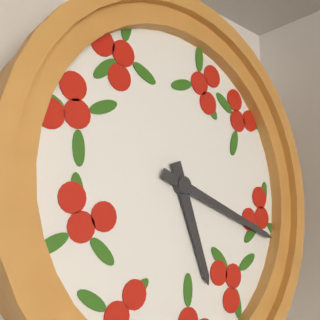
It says **5:18**
